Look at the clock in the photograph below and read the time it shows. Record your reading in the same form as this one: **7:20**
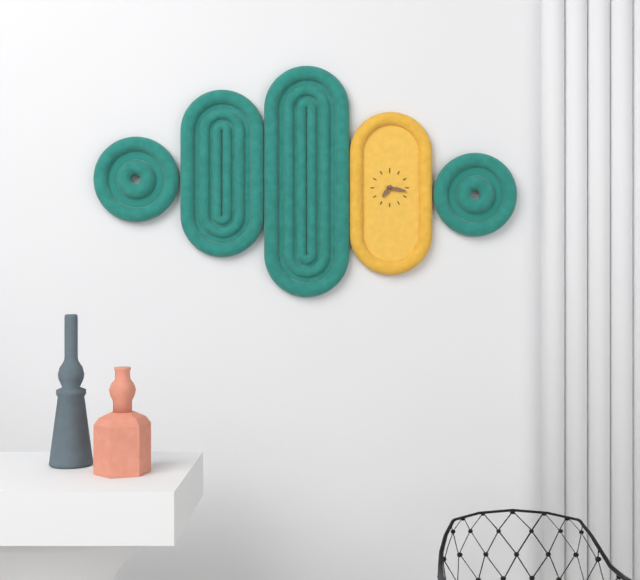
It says **7:17**
